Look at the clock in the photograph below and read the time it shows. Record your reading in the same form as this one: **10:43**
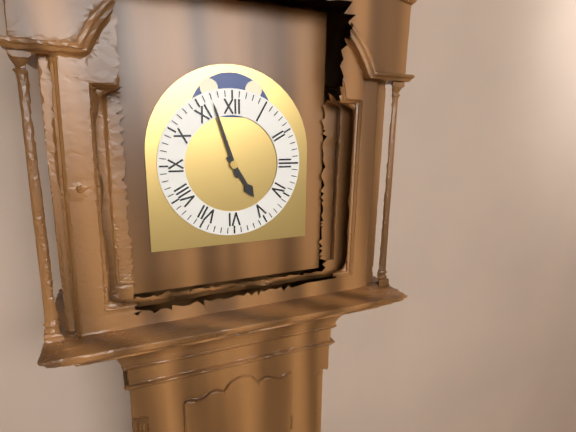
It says **4:57**
